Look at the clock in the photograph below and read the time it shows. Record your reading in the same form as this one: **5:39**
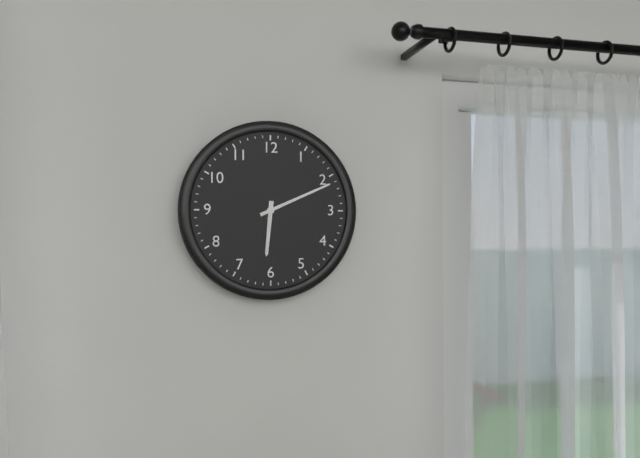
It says **6:11**
